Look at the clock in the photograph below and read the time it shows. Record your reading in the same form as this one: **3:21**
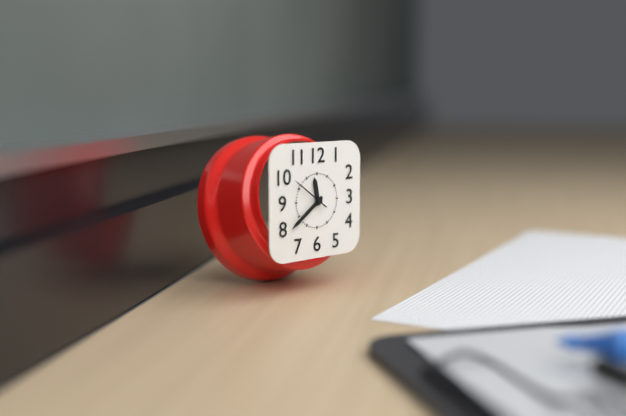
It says **11:39**
